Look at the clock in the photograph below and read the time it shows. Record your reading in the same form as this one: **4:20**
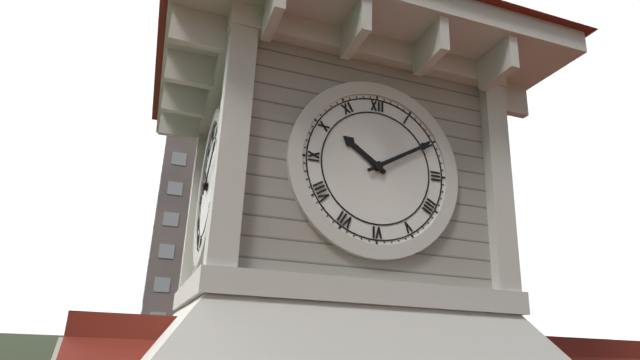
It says **10:10**
